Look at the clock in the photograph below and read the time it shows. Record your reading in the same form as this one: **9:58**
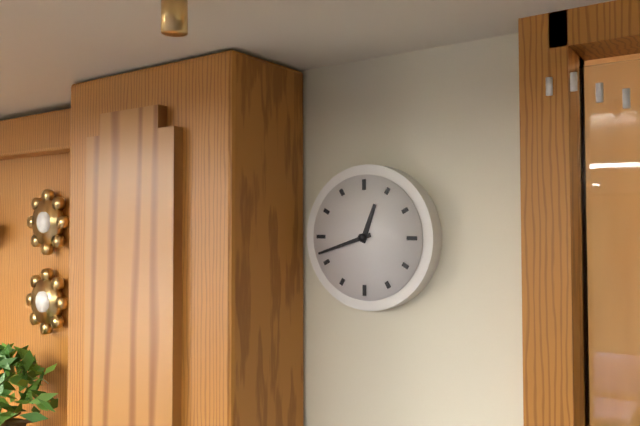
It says **12:42**
